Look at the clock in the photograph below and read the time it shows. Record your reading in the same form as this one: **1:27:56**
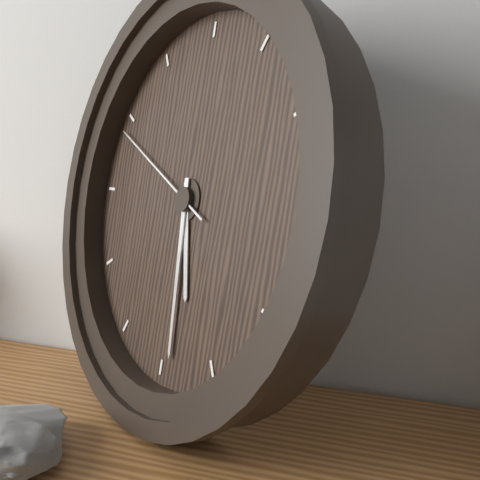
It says **5:29:49**
